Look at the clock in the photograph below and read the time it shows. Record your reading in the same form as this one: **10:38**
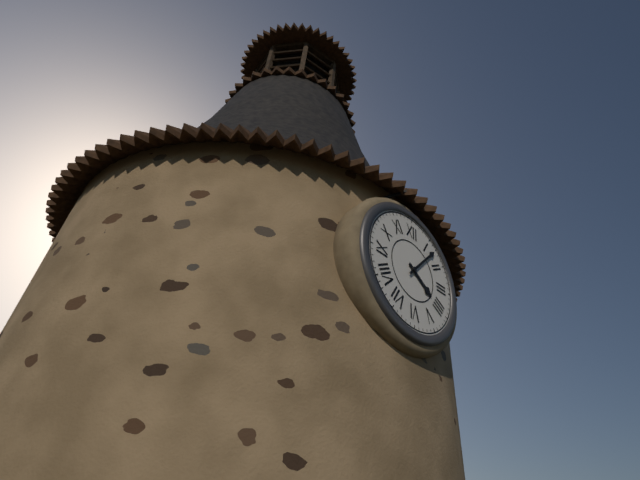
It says **4:07**
